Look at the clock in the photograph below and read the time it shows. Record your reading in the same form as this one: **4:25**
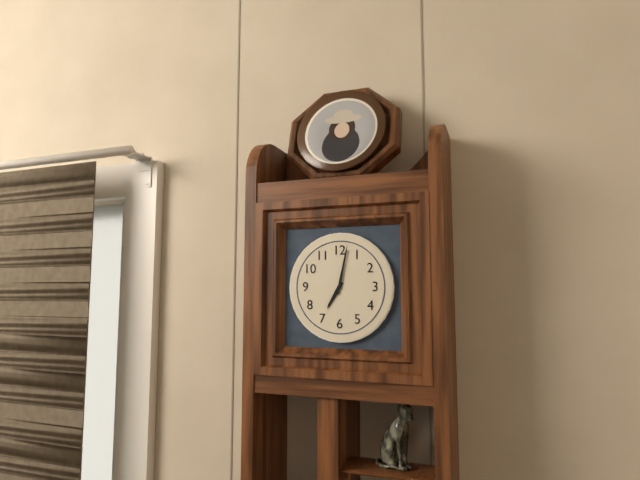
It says **7:02**
